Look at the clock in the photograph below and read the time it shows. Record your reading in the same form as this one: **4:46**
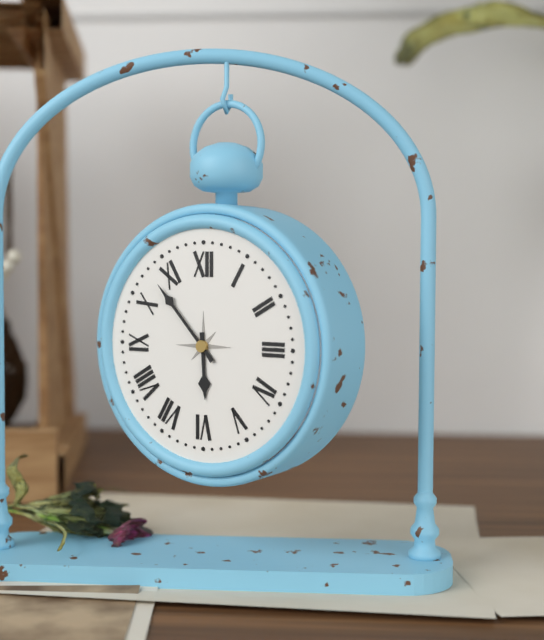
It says **5:53**
